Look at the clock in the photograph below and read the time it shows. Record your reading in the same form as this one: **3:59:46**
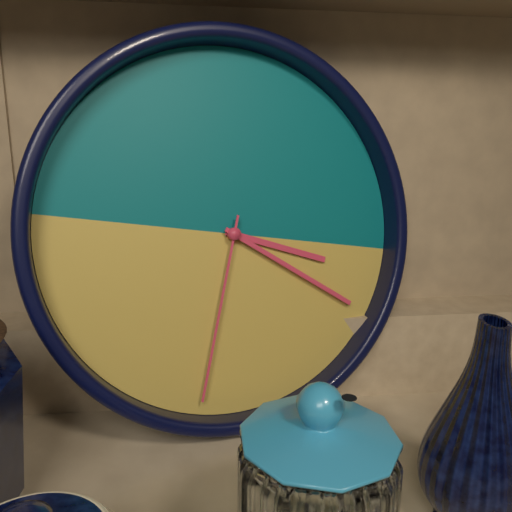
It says **3:19:31**
